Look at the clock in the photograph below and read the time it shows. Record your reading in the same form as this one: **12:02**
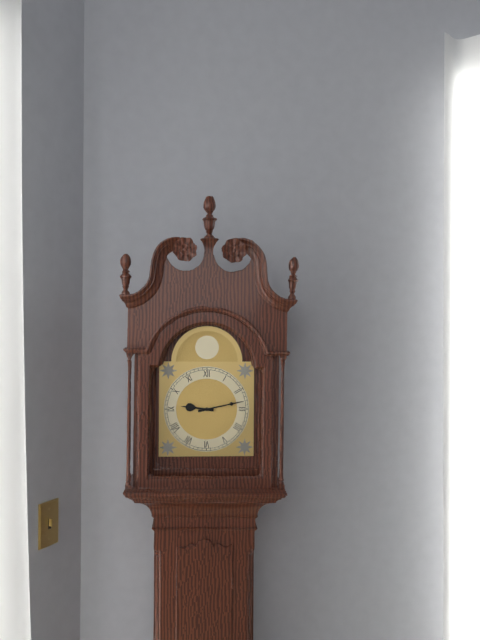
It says **9:13**
